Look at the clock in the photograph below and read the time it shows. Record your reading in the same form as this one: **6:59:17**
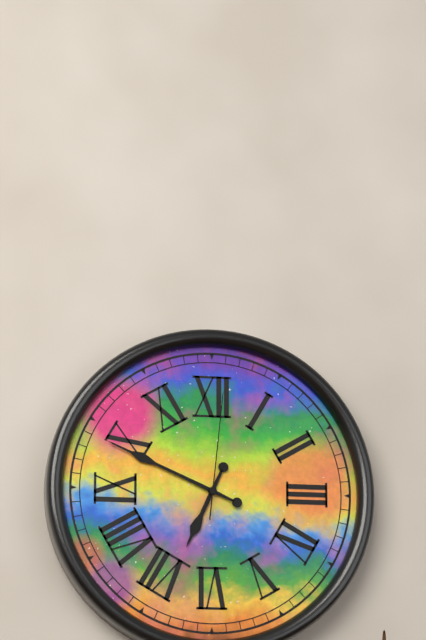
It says **6:49:01**
